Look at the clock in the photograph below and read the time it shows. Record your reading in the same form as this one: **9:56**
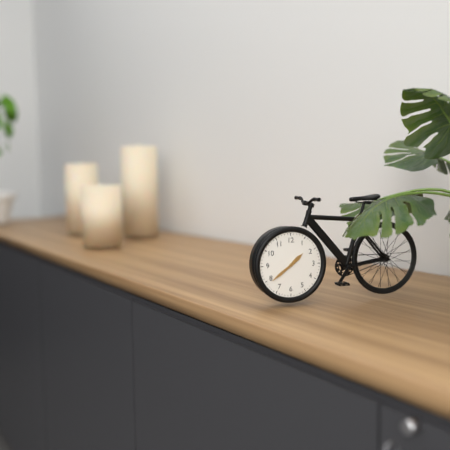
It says **1:39**
